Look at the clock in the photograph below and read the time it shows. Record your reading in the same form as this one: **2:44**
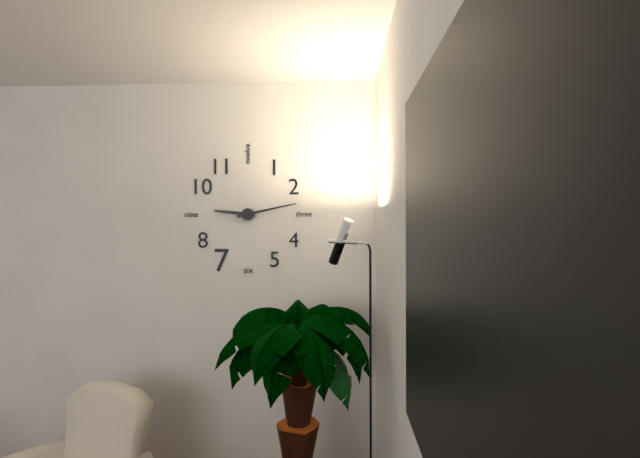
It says **9:13**
